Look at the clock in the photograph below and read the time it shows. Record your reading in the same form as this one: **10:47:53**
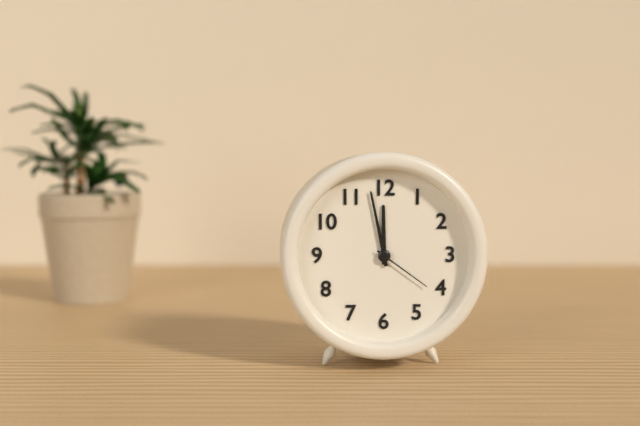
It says **11:58:21**
